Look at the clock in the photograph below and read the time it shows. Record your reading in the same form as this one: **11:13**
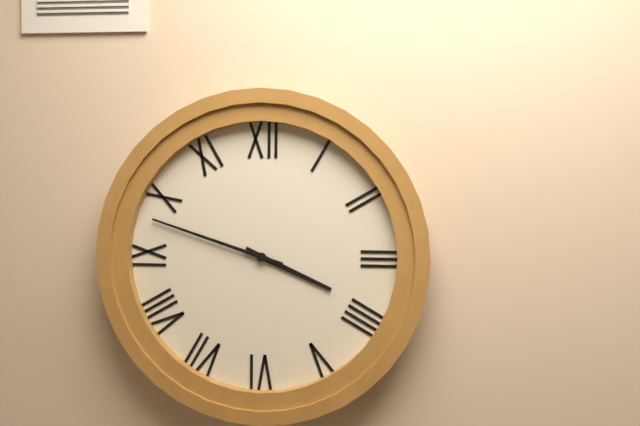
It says **3:48**
